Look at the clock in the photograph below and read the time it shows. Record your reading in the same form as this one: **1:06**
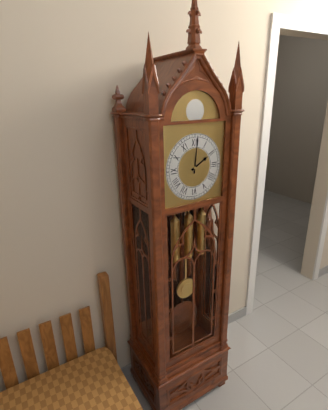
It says **2:01**
